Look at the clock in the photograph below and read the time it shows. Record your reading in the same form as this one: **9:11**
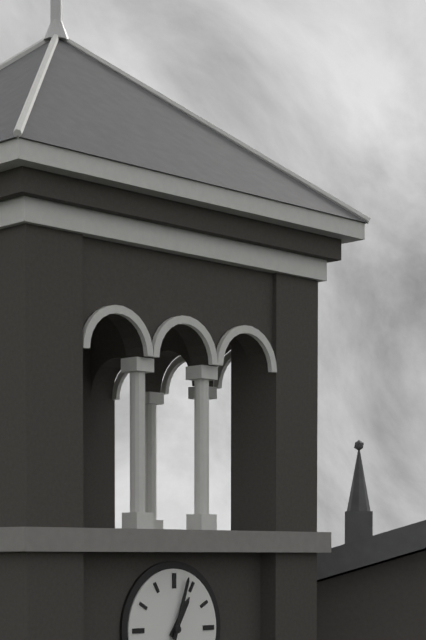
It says **1:03**
